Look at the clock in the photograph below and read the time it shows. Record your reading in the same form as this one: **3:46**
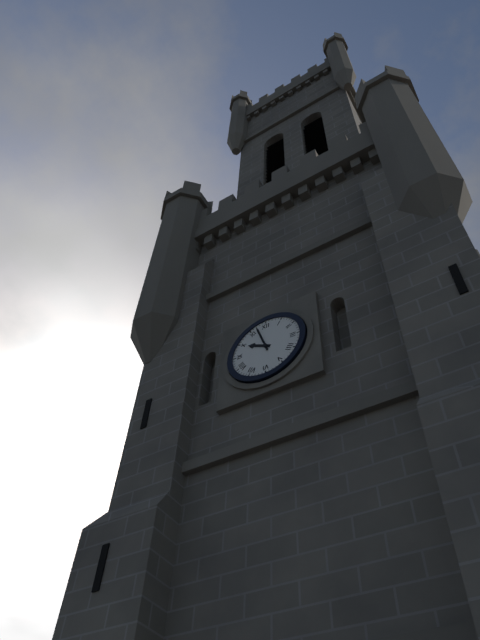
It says **9:57**
